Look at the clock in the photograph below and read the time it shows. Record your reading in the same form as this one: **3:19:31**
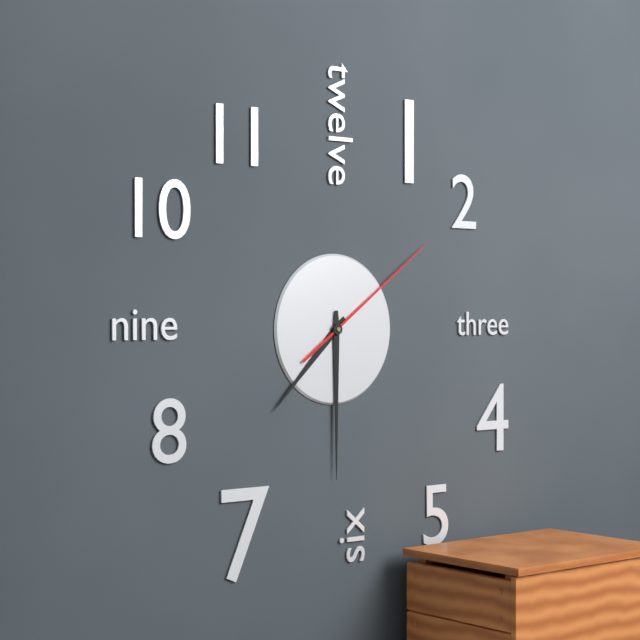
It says **7:30:09**
